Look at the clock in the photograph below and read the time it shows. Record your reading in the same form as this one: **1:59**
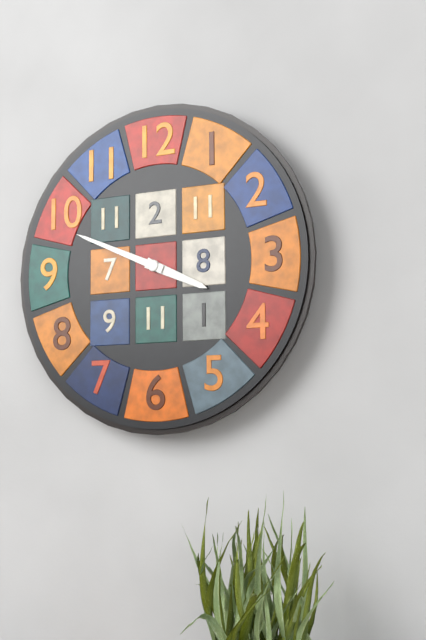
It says **3:49**
